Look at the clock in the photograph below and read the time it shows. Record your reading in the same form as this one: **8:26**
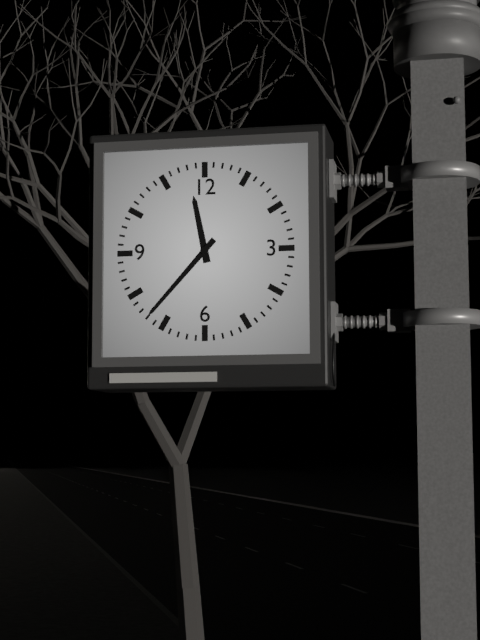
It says **11:37**
